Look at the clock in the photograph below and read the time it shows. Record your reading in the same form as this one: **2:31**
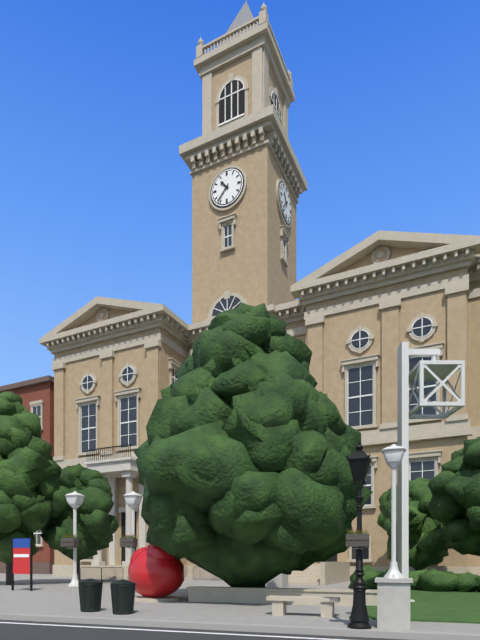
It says **10:37**
